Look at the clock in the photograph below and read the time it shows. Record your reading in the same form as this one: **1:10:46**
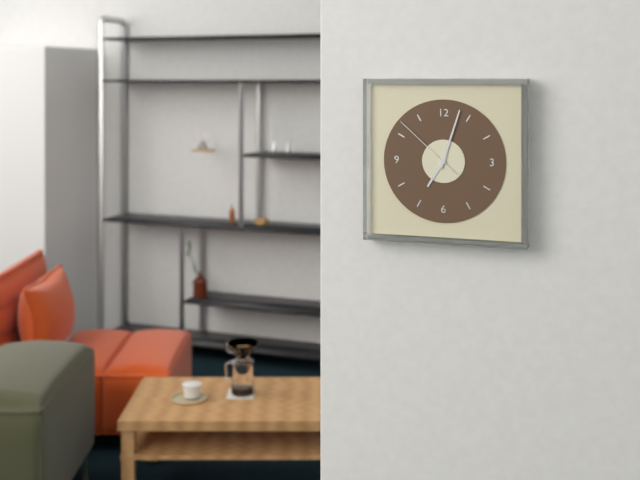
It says **7:03:52**
